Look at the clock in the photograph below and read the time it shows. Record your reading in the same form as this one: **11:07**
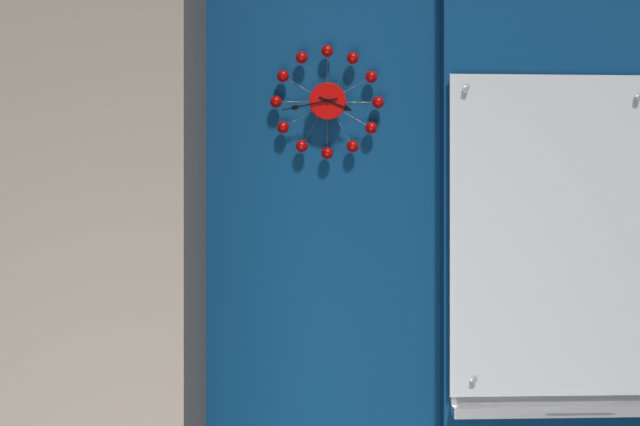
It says **3:43**
